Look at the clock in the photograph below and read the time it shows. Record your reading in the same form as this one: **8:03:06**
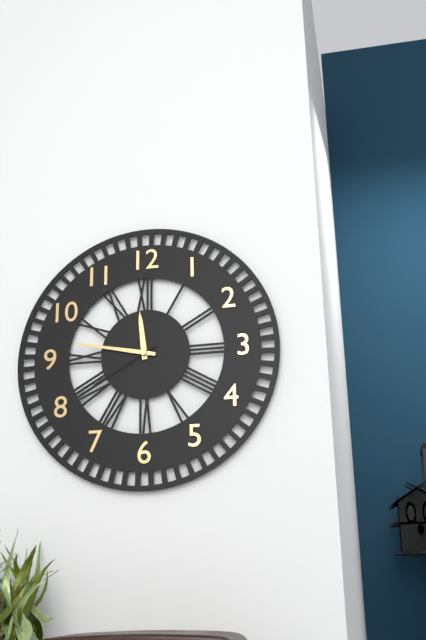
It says **11:47:40**
